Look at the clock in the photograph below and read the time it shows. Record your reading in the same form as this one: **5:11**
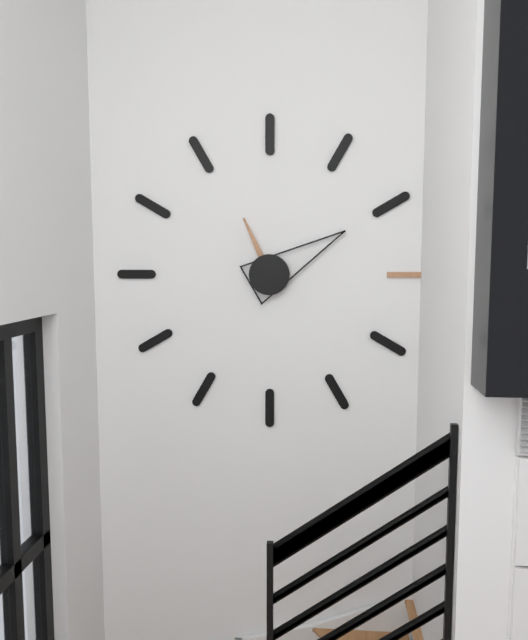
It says **11:10**
